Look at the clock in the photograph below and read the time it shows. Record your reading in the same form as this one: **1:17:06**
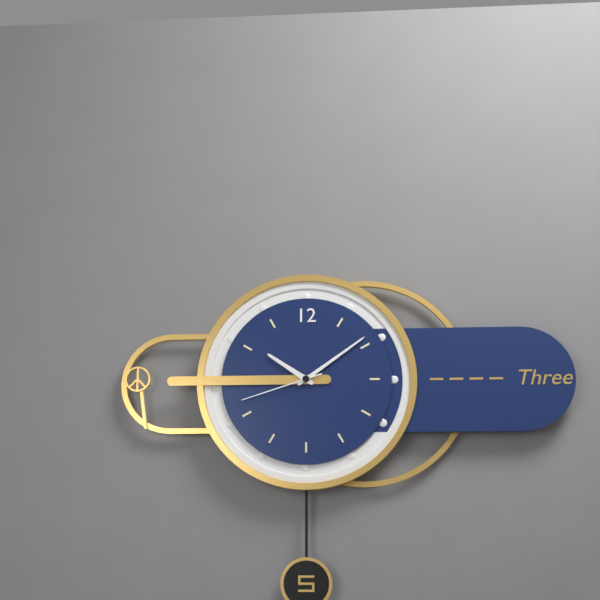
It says **10:09:42**
